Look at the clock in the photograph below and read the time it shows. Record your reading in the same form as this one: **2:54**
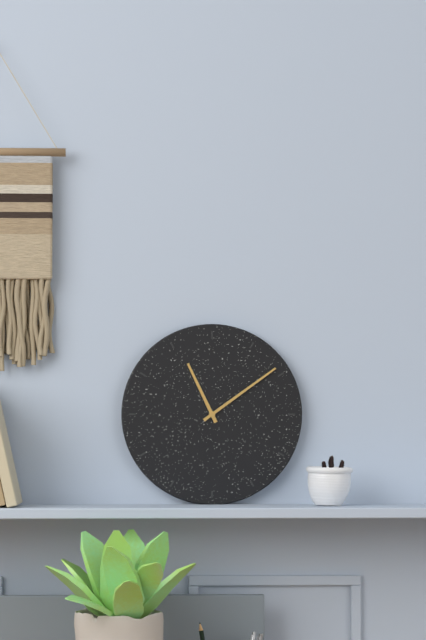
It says **11:09**
